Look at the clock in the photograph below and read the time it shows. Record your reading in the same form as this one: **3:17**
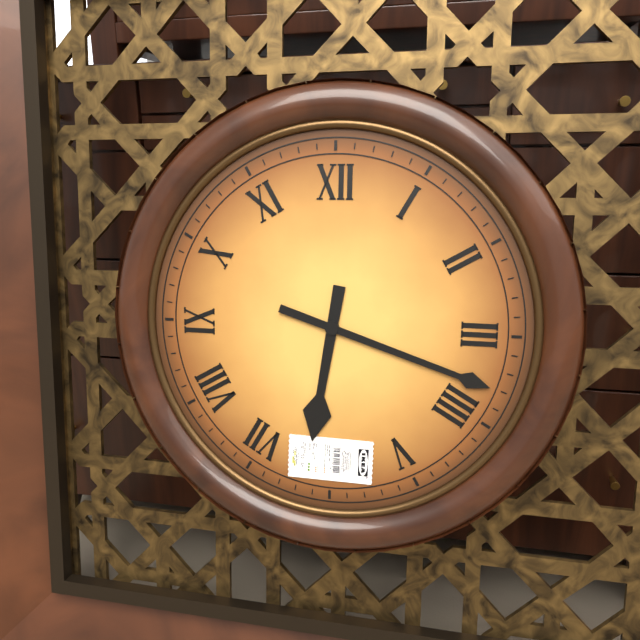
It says **6:18**
